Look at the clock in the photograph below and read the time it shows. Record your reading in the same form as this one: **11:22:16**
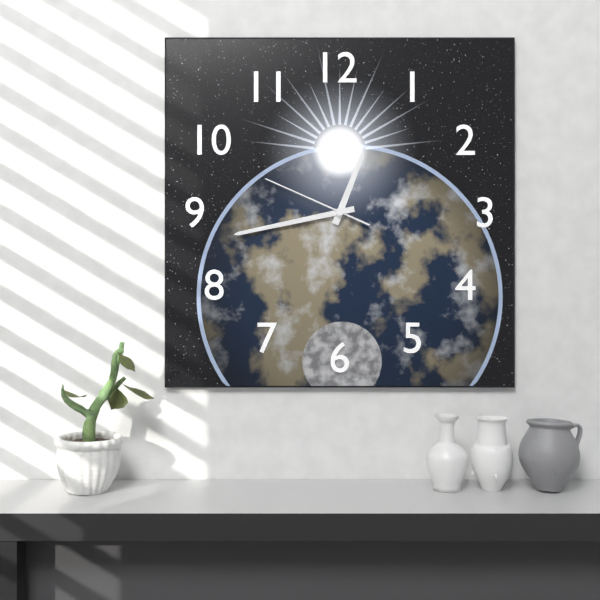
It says **12:43:49**
